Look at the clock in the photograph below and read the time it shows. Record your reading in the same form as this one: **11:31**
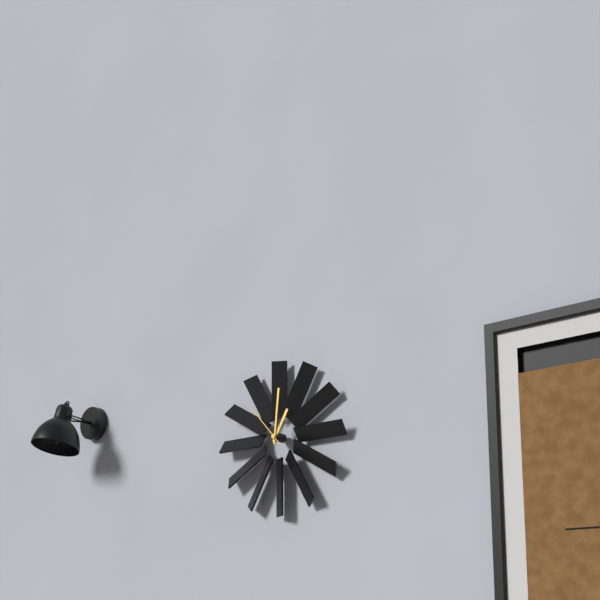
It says **1:01**
